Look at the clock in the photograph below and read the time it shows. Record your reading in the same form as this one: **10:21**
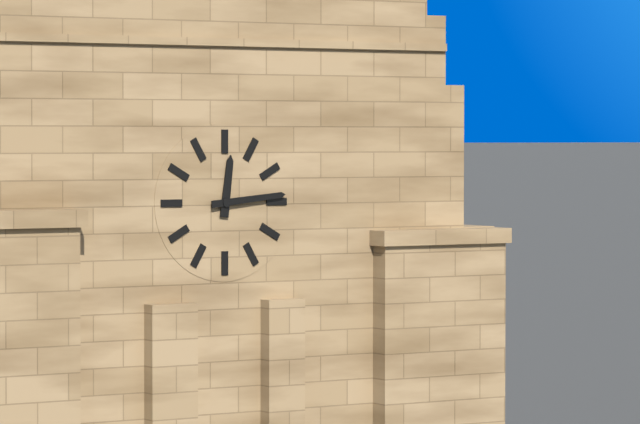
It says **12:14**
